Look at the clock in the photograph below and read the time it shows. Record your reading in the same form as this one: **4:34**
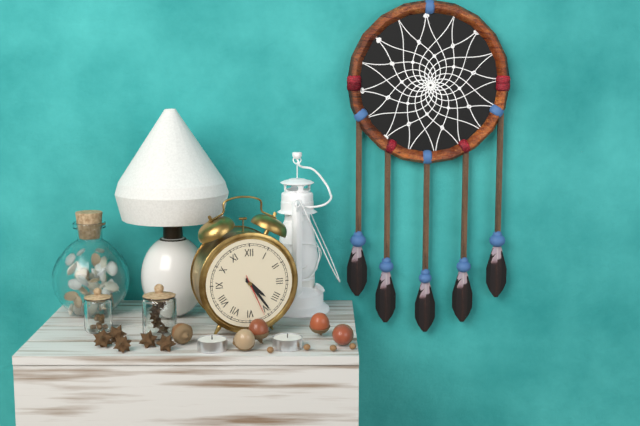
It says **4:24**
